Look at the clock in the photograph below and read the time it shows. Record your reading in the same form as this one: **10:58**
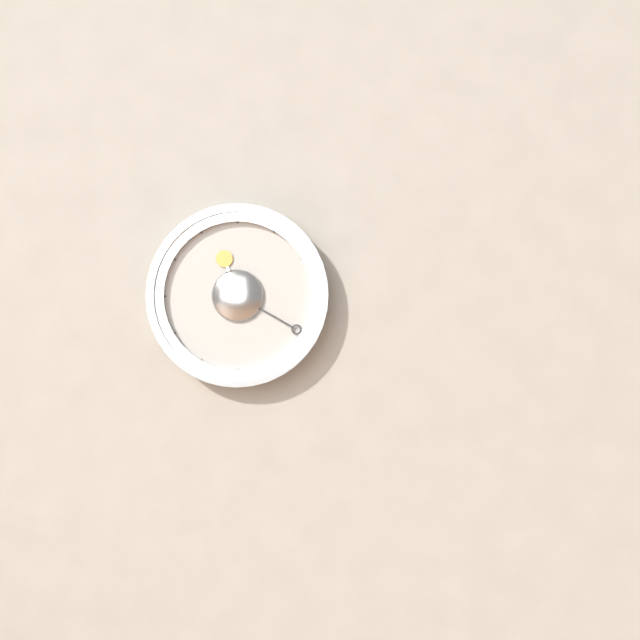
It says **11:20**
